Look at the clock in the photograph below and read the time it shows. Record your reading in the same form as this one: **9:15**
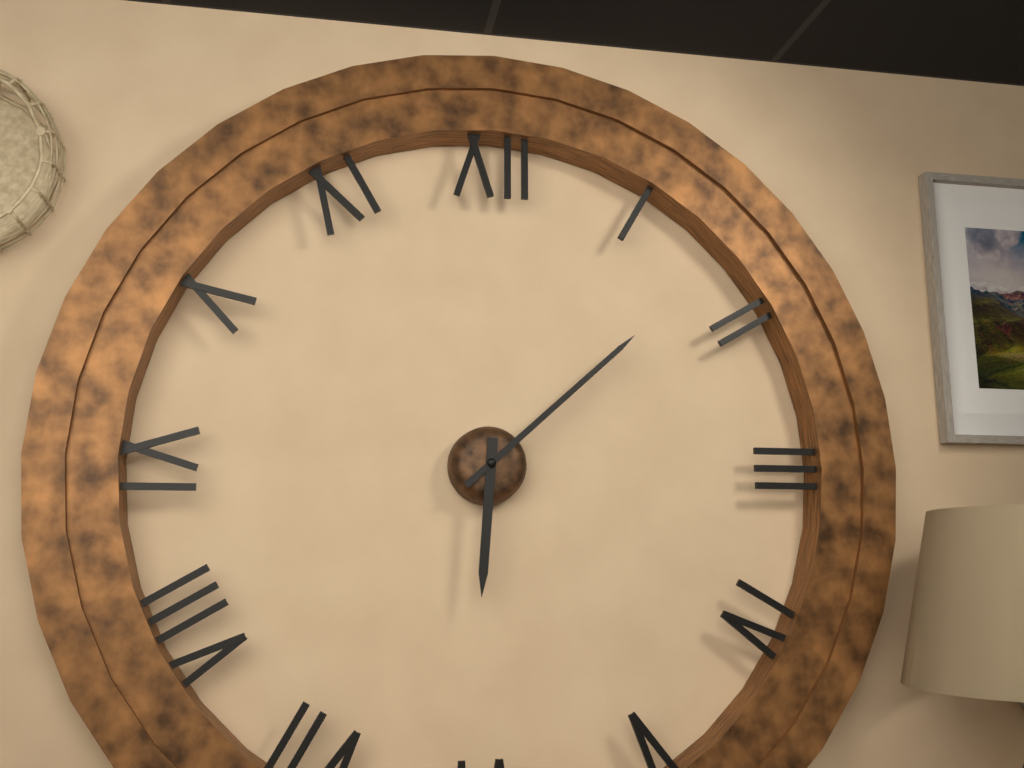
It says **6:08**
